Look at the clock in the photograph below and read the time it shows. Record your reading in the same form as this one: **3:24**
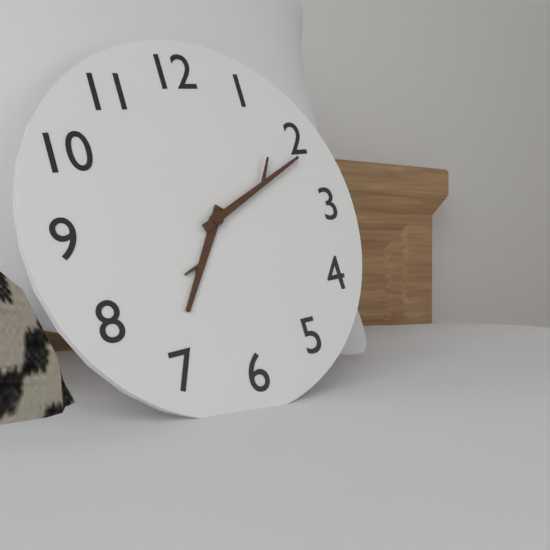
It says **7:11**
